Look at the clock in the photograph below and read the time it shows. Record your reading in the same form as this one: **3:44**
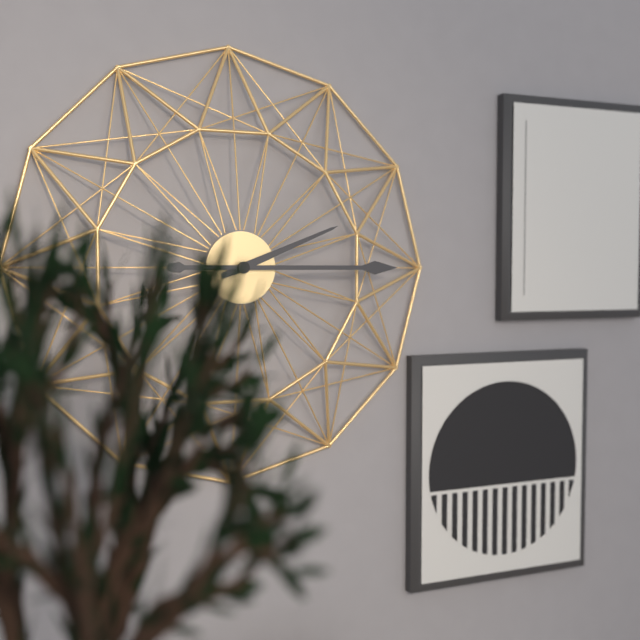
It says **2:15**
